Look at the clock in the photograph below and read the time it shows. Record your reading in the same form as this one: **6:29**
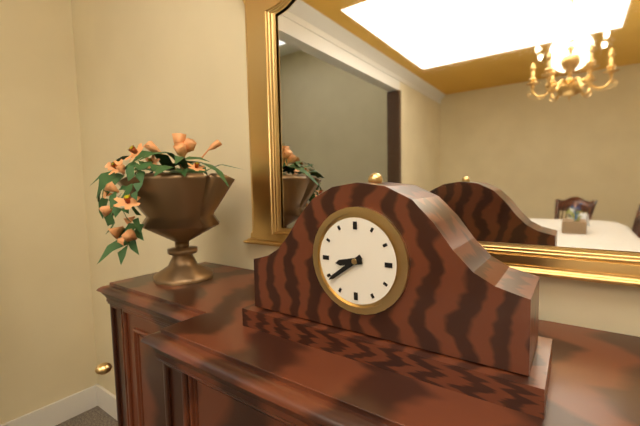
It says **8:39**
